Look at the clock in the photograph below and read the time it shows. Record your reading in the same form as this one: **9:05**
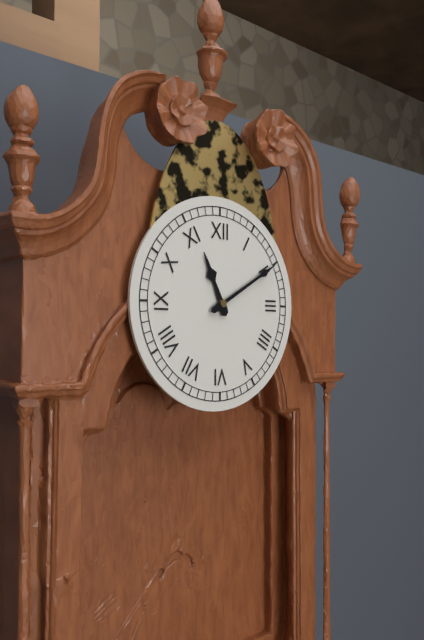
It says **11:10**
